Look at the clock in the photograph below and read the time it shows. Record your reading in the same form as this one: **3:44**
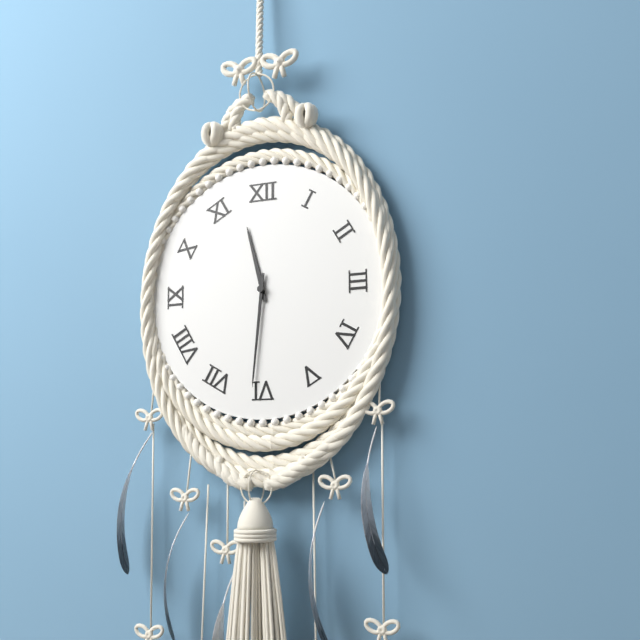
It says **11:31**
